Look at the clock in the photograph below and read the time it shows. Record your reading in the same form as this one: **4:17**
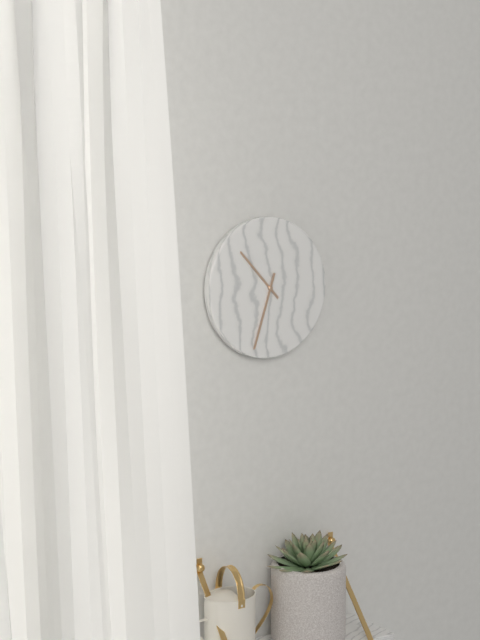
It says **10:33**
